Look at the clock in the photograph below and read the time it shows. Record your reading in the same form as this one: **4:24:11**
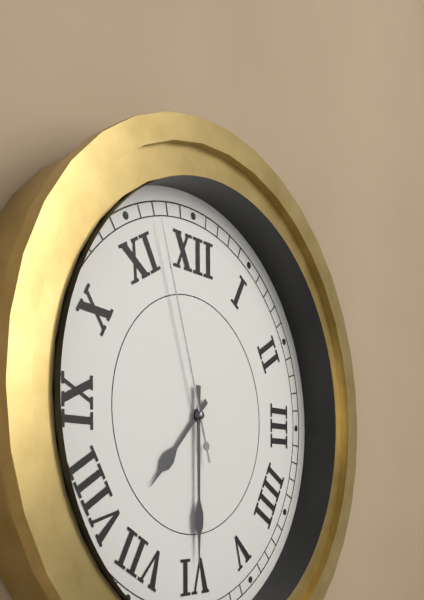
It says **7:30:57**
